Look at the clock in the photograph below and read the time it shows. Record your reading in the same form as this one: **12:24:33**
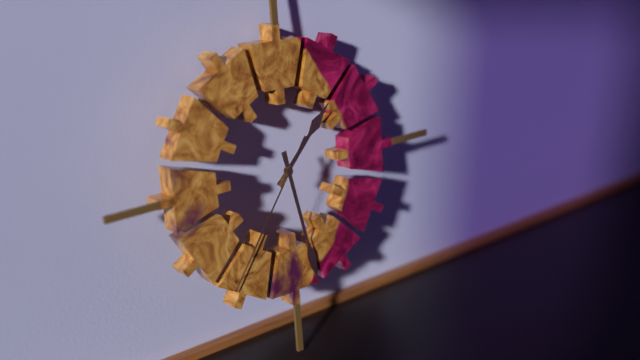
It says **1:28:36**
